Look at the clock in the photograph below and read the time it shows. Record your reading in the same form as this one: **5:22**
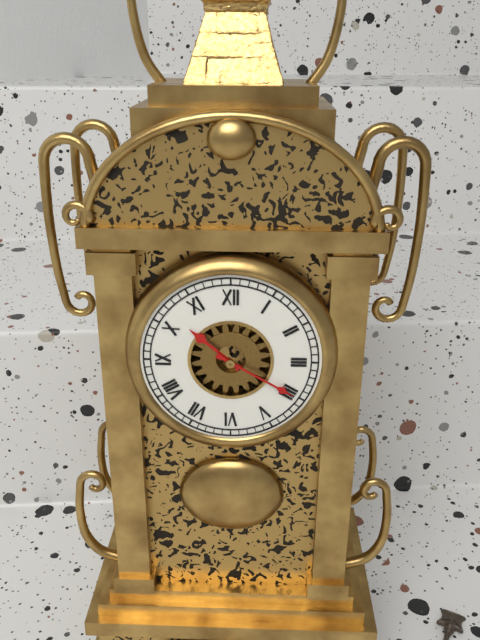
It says **10:20**
